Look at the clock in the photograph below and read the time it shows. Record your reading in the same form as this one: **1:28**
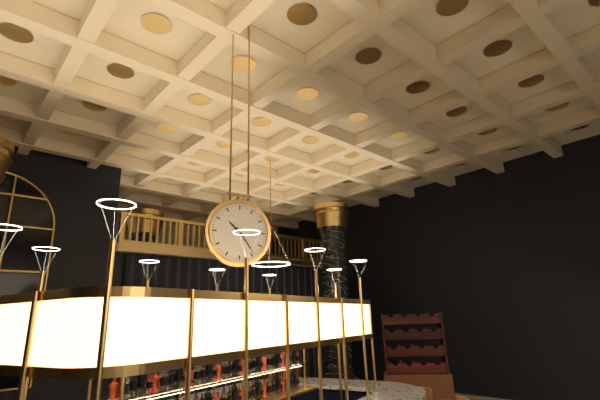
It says **10:24**
